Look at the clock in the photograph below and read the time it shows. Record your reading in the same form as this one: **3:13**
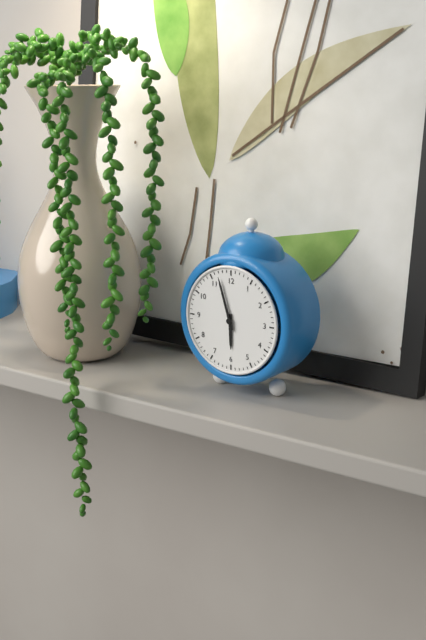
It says **5:57**
